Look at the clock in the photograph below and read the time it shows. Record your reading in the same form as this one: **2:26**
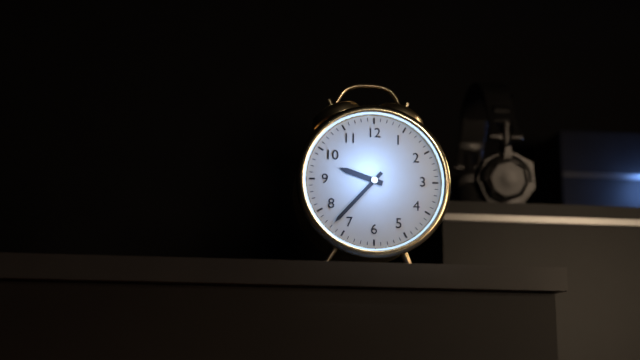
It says **9:37**
